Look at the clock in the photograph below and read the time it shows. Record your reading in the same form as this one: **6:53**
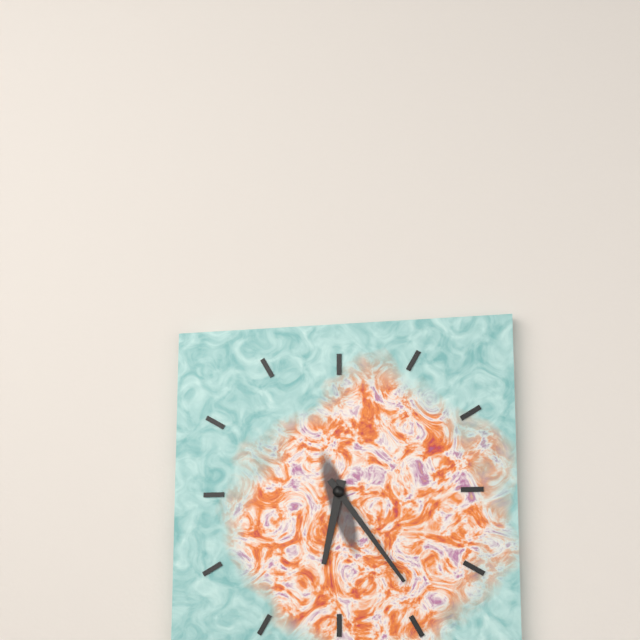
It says **6:24**
